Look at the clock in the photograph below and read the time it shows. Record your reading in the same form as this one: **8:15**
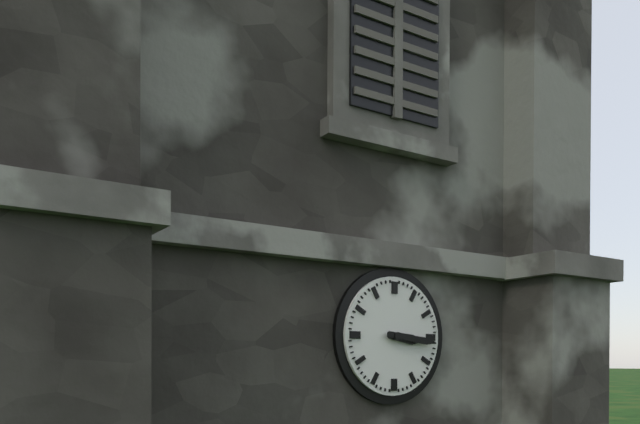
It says **3:16**
